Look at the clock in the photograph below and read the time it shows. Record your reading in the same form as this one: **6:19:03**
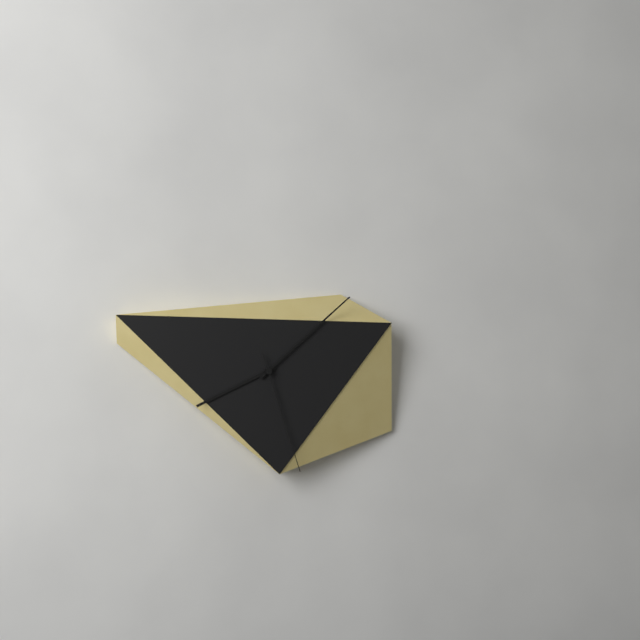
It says **8:08:27**
